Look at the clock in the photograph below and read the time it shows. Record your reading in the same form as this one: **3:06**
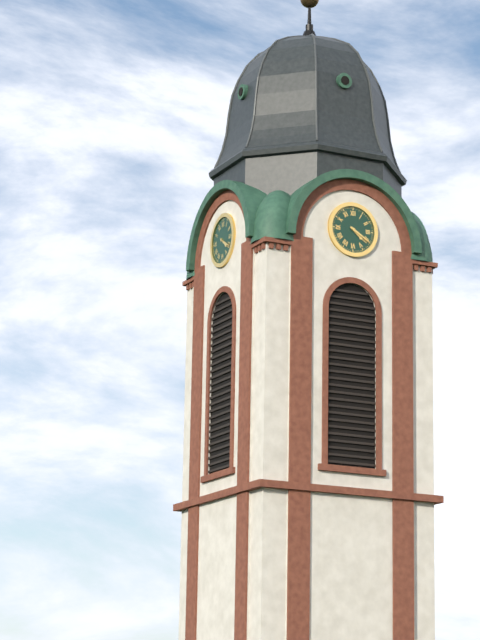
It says **4:20**
